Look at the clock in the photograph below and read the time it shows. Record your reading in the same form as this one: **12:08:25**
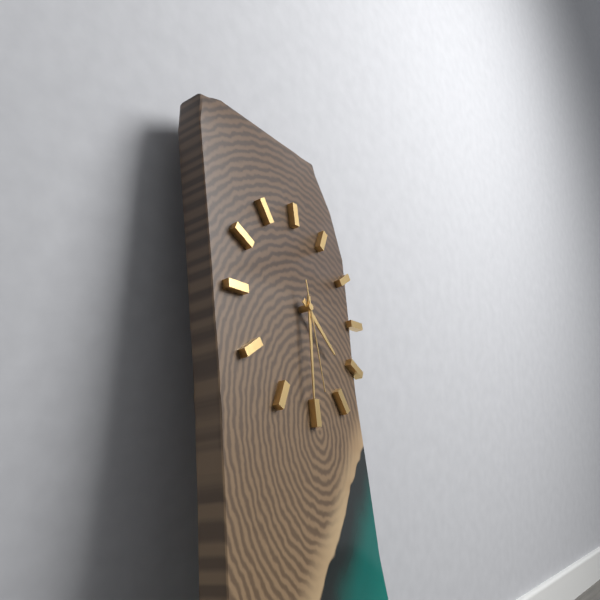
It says **4:31:29**
